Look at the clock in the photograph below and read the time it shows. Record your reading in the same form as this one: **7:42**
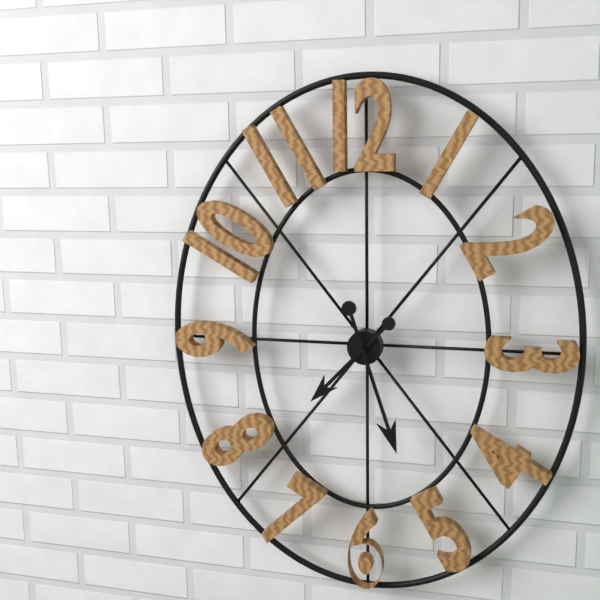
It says **7:27**
